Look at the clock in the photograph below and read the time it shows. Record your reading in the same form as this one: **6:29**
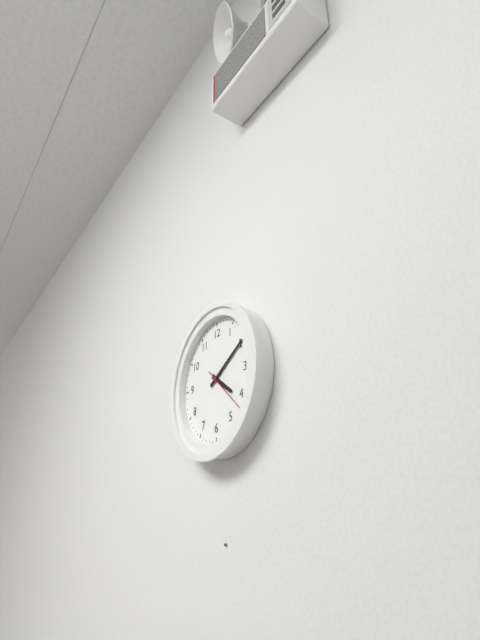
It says **4:10**
